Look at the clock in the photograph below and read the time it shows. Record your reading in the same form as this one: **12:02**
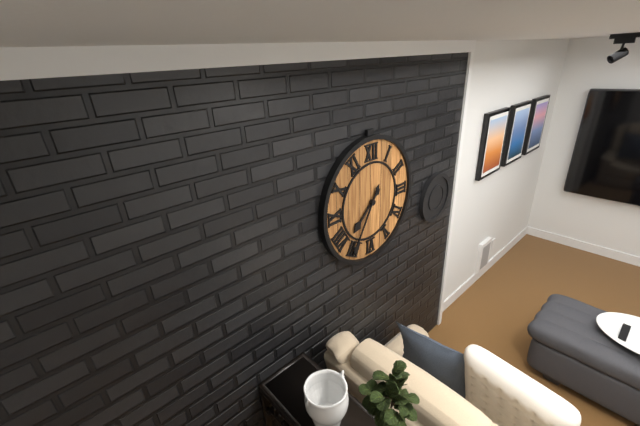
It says **7:35**
